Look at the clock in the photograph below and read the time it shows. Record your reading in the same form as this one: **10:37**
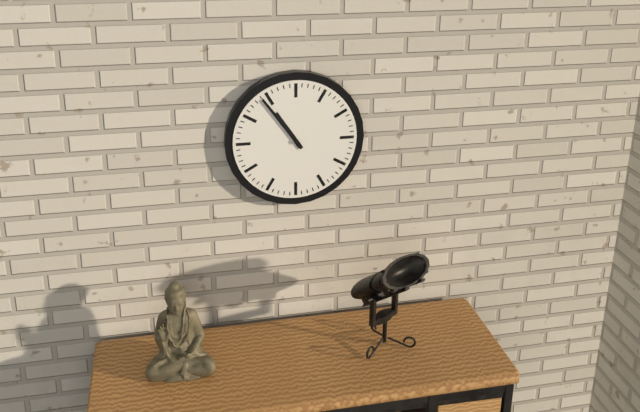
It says **10:54**
